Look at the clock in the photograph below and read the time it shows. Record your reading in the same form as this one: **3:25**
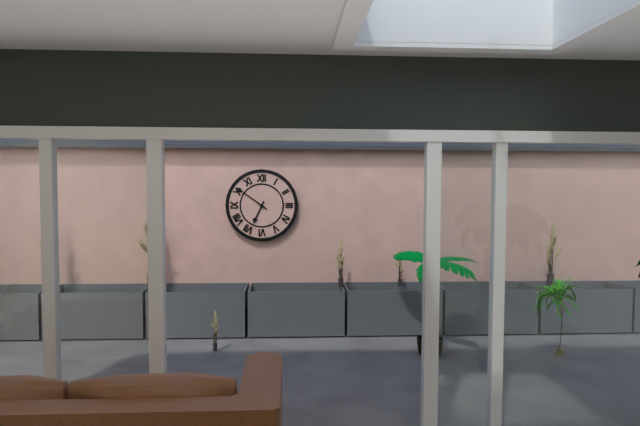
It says **6:51**
